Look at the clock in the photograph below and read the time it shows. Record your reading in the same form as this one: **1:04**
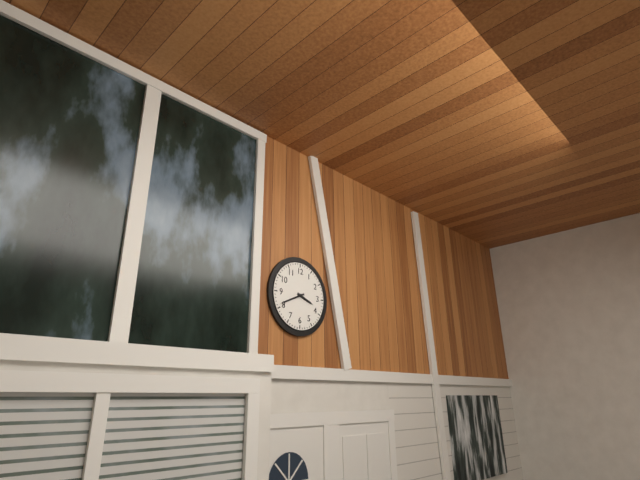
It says **3:41**
